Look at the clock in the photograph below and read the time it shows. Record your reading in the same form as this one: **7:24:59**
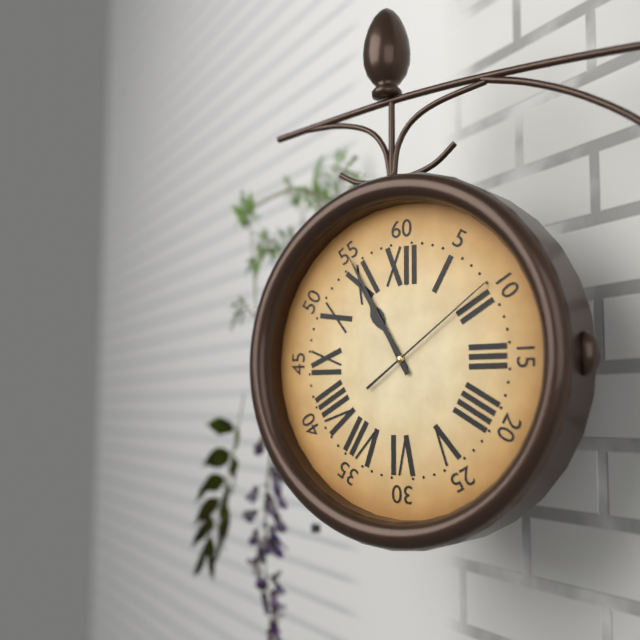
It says **10:55:09**
